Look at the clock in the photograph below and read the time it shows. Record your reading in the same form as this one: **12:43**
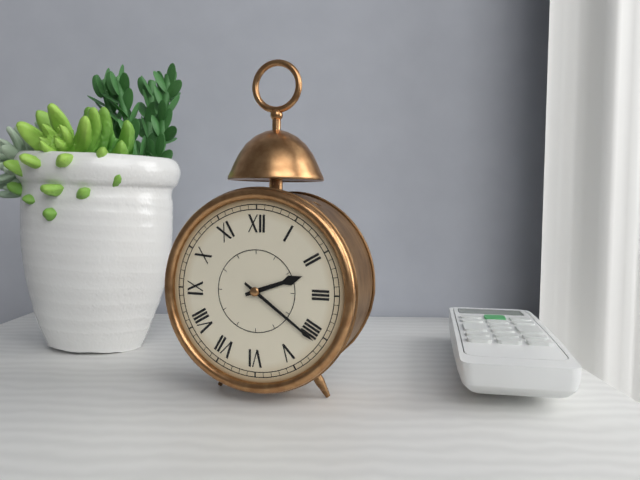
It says **2:21**
